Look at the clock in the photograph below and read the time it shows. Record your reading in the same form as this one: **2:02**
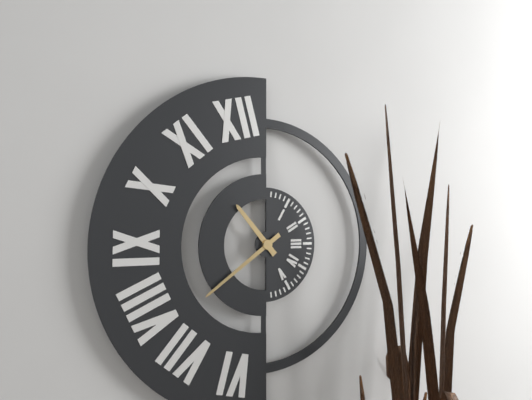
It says **10:39**
